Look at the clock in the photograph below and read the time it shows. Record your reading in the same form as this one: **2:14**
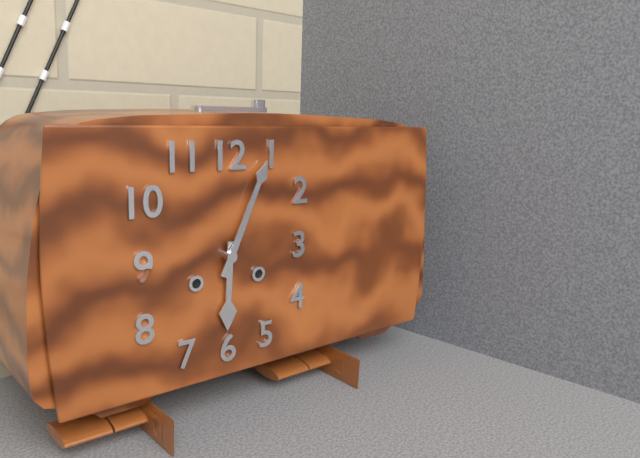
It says **6:04**
